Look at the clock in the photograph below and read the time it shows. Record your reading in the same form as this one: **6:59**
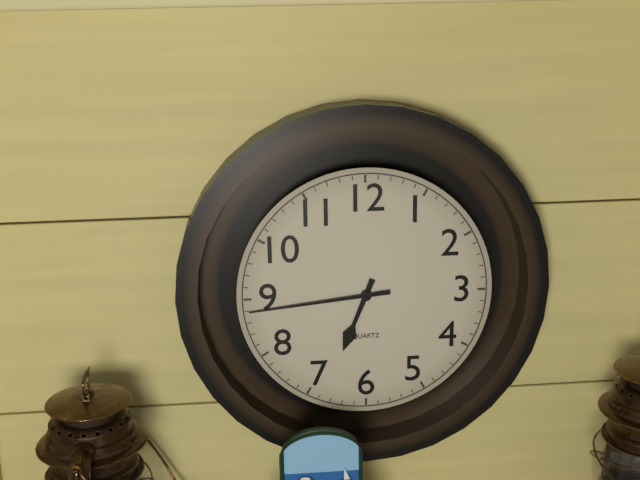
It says **6:44**
